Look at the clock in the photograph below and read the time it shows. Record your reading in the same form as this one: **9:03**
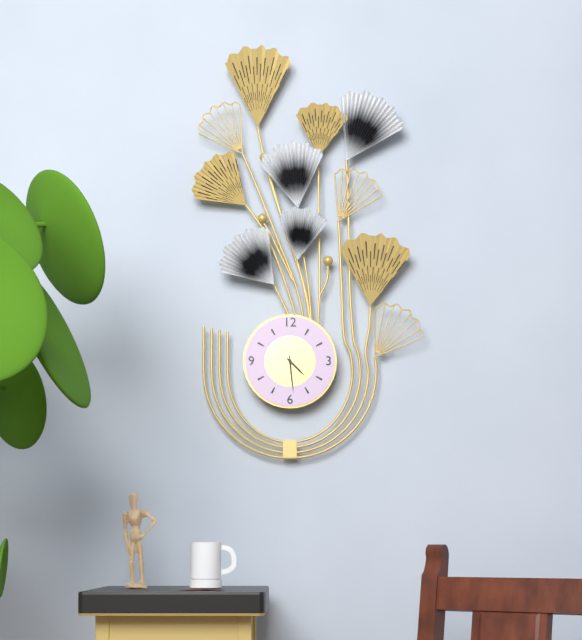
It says **4:29**
